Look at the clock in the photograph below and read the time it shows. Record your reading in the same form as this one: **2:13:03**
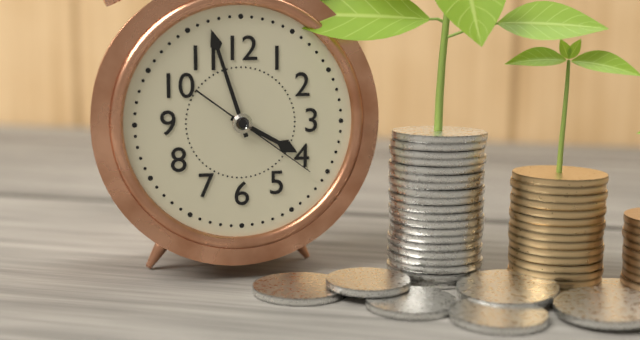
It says **3:57:21**
